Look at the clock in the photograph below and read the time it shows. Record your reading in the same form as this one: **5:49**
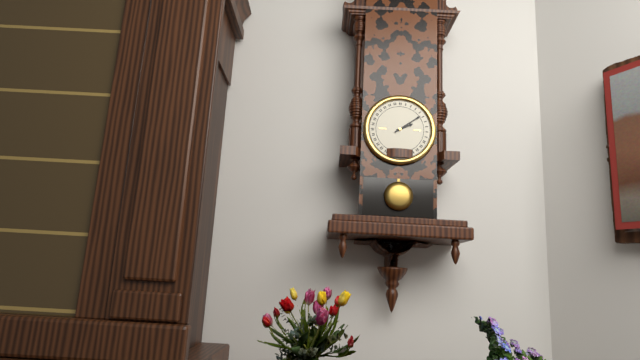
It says **2:09**
